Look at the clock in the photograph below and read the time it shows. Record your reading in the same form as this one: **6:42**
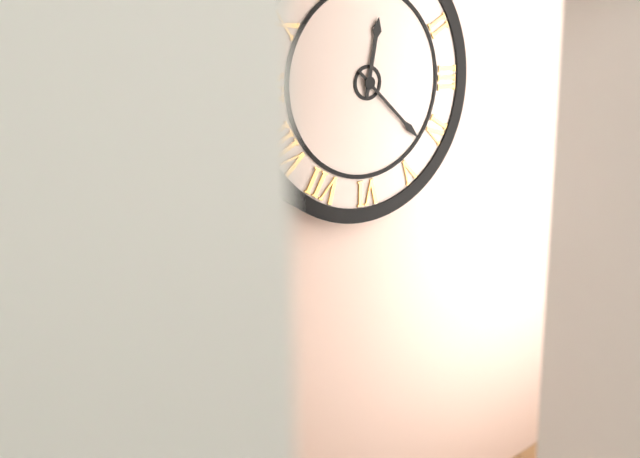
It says **12:22**
